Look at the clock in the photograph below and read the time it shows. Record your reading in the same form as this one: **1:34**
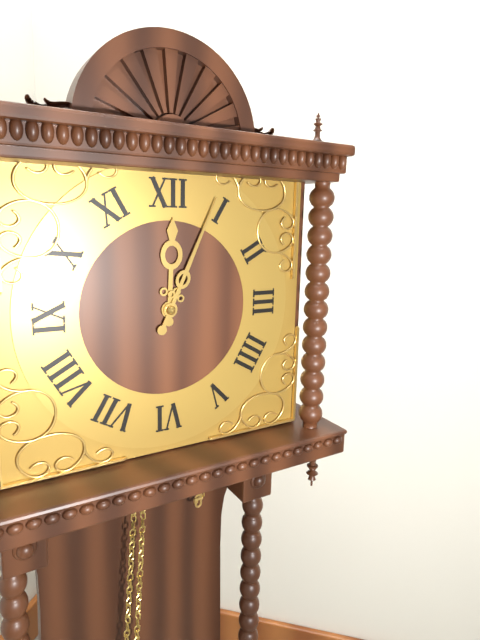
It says **12:04**
